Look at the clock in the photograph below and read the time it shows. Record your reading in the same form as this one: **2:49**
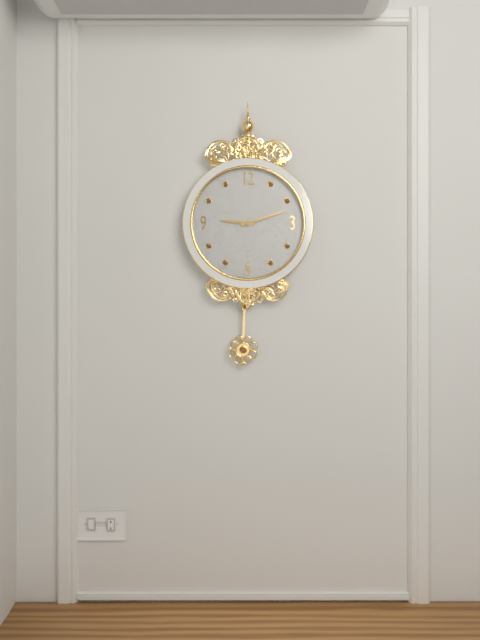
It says **9:12**
